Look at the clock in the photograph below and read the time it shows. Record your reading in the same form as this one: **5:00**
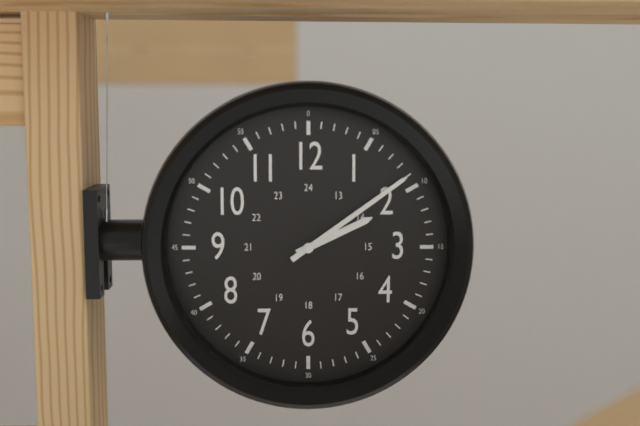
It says **2:09**
